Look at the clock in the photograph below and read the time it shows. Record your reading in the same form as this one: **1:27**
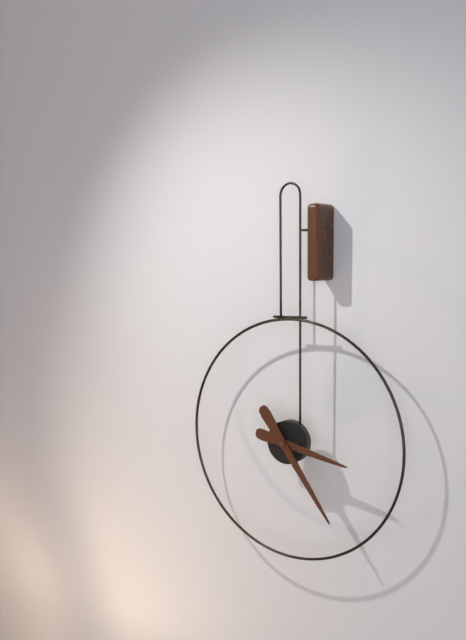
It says **3:24**
